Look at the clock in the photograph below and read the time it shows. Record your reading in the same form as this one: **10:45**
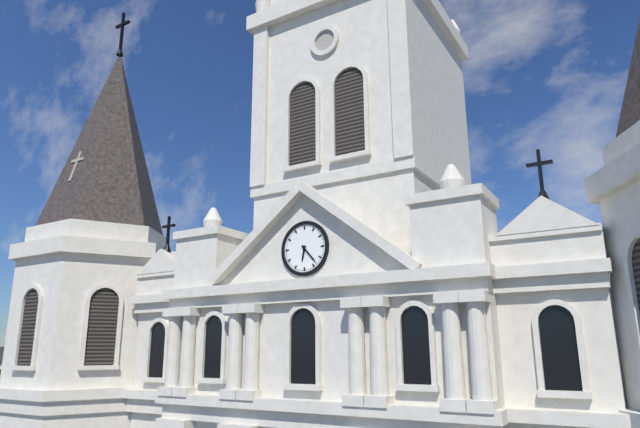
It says **6:23**
